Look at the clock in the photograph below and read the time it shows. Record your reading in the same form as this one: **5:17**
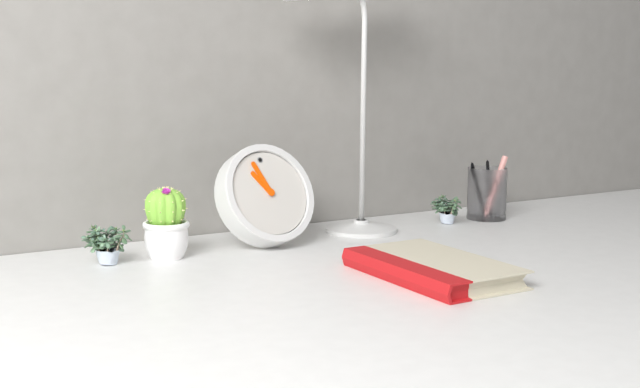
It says **10:57**
